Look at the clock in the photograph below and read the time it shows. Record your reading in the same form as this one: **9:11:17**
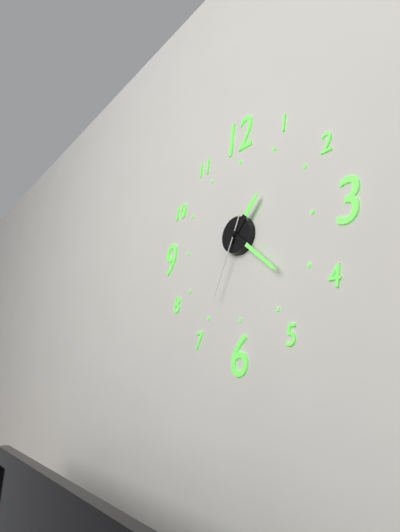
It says **1:22:34**
